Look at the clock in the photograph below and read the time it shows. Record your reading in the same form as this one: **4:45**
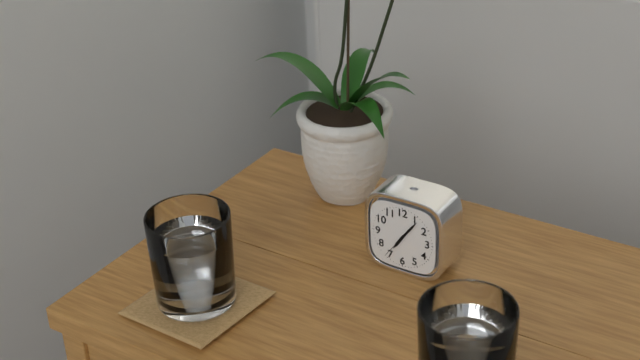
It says **7:06**
